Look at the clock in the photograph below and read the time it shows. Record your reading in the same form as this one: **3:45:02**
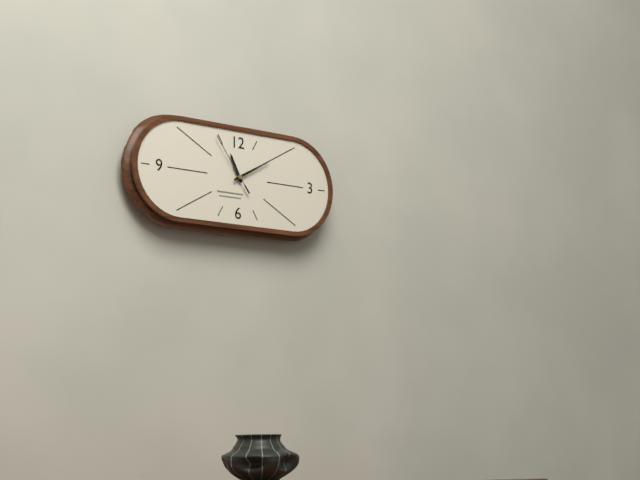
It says **11:10:54**
